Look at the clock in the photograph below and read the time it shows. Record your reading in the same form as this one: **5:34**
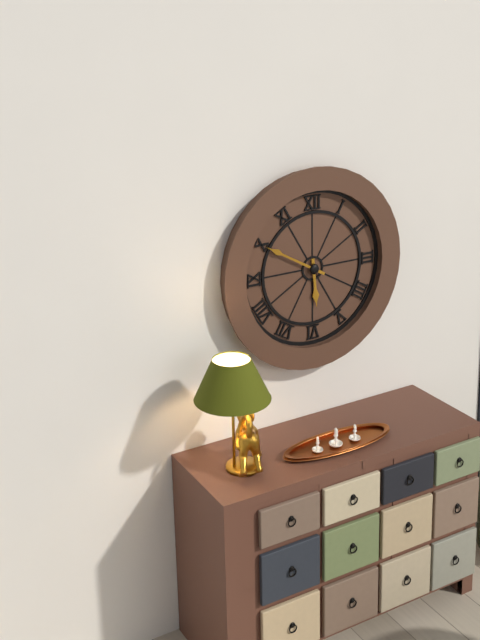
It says **5:50**
